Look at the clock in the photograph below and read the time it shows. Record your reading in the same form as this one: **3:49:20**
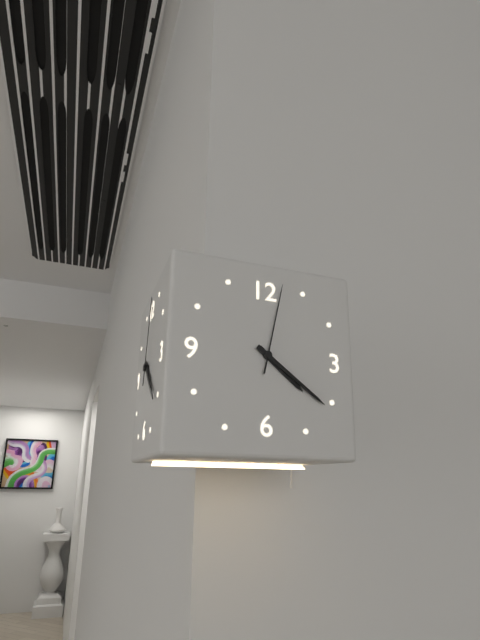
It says **4:21:02**
